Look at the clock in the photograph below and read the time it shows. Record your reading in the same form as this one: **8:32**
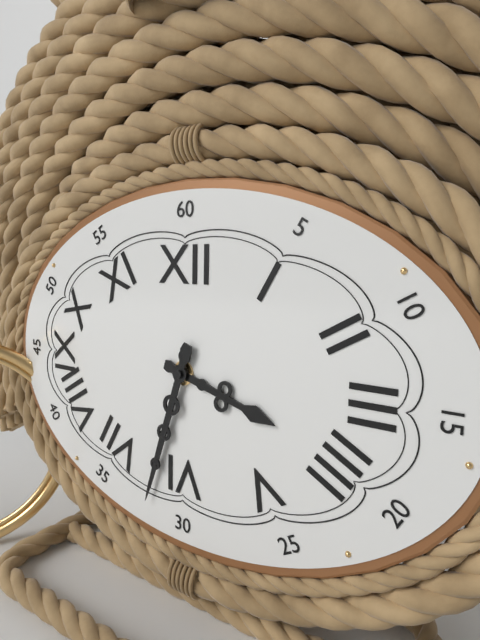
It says **3:33**
